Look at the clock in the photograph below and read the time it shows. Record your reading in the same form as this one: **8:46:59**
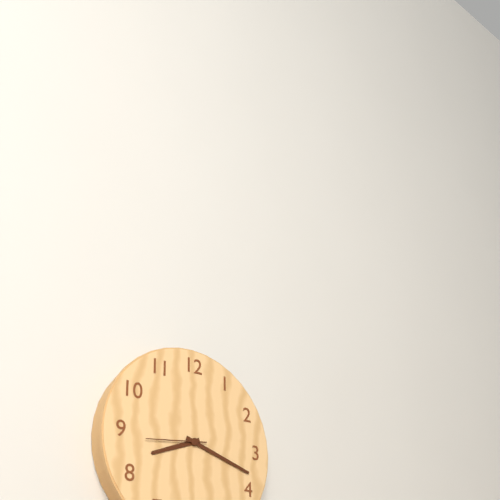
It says **8:18:44**
